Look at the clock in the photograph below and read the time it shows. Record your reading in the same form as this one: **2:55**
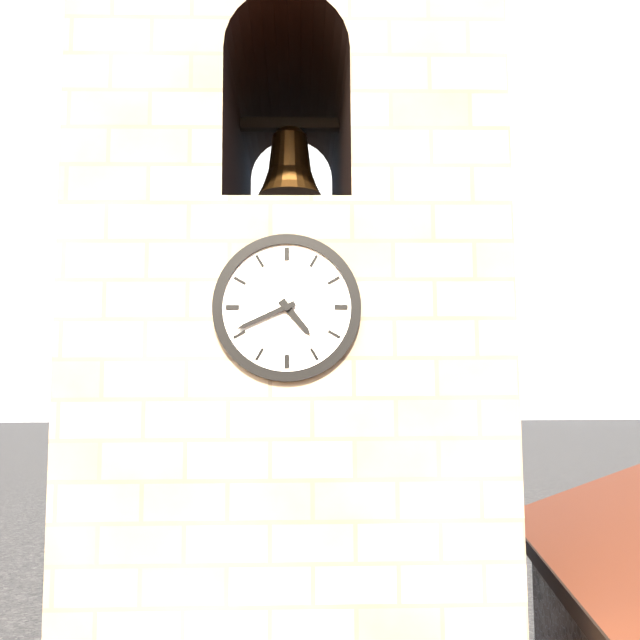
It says **4:41**
